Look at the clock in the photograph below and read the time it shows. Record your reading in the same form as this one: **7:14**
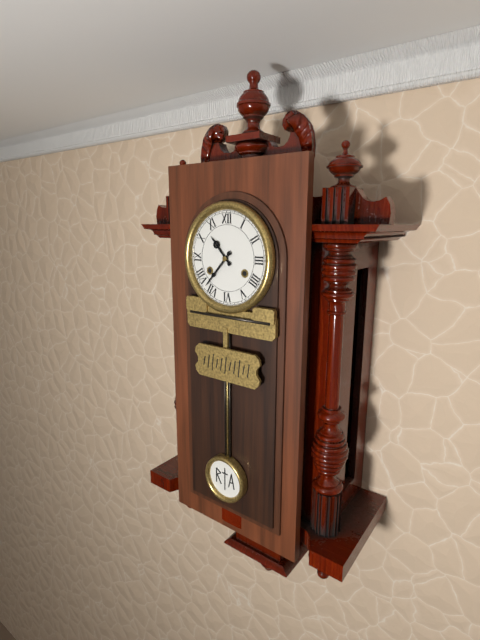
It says **10:37**
